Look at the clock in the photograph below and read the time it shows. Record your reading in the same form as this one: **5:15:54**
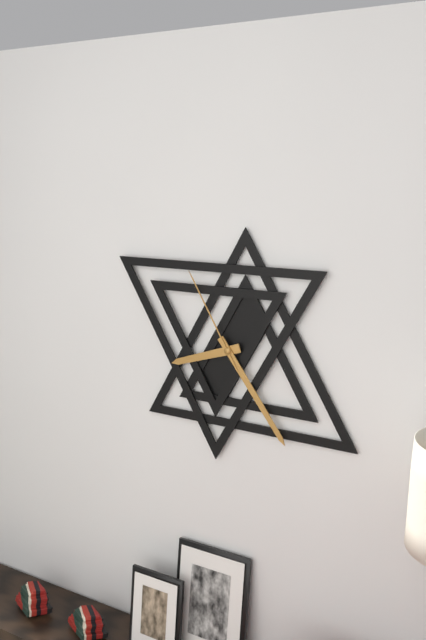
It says **8:24:55**
